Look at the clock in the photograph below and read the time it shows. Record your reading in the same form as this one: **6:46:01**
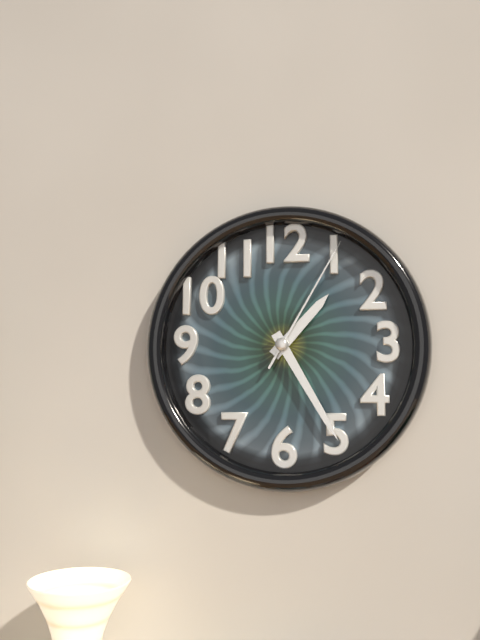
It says **1:25:05**
